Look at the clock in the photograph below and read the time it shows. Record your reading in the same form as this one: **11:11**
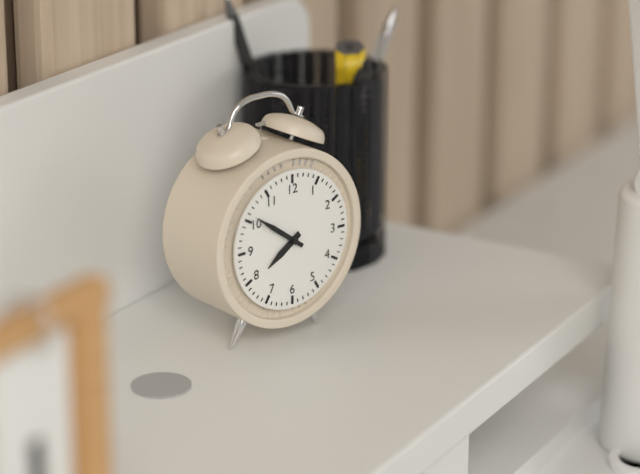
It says **7:51**
